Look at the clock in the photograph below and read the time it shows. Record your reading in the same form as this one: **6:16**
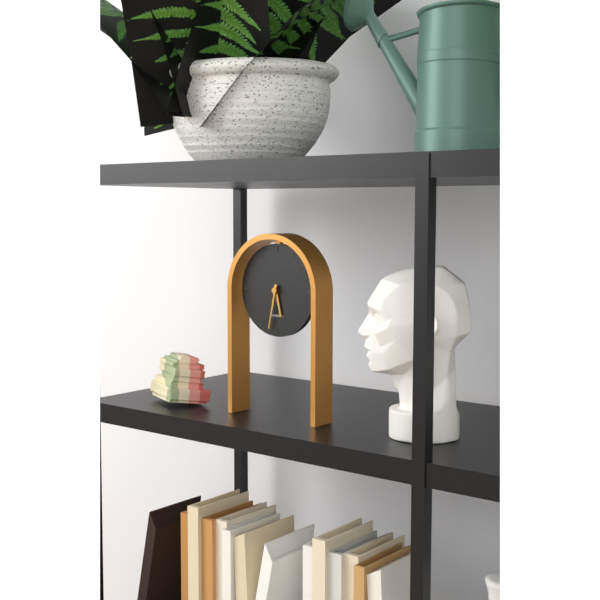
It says **5:32**
